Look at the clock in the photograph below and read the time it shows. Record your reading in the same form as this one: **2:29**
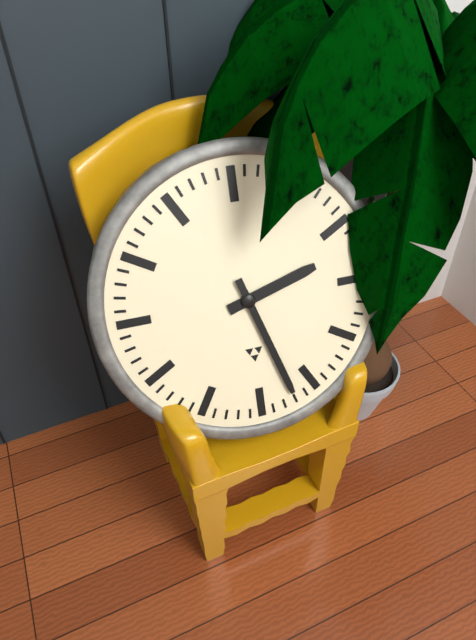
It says **2:27**
